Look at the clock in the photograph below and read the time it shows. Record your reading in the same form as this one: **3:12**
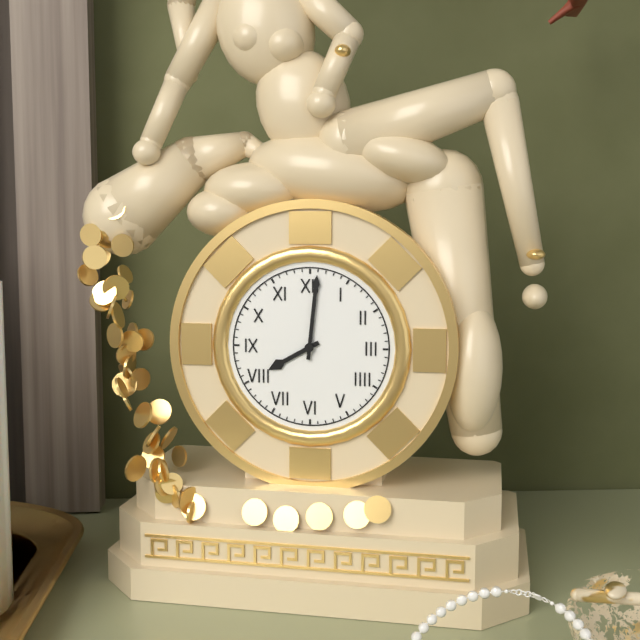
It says **8:01**
